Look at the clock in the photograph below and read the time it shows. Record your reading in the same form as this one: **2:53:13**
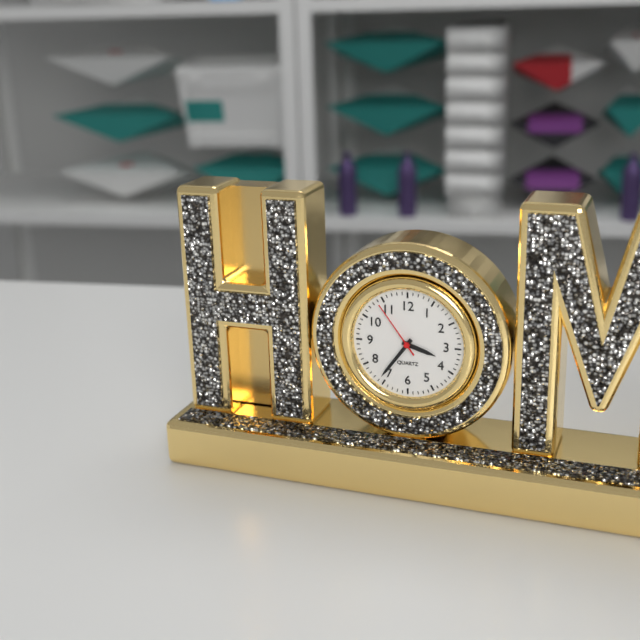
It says **3:36:54**
